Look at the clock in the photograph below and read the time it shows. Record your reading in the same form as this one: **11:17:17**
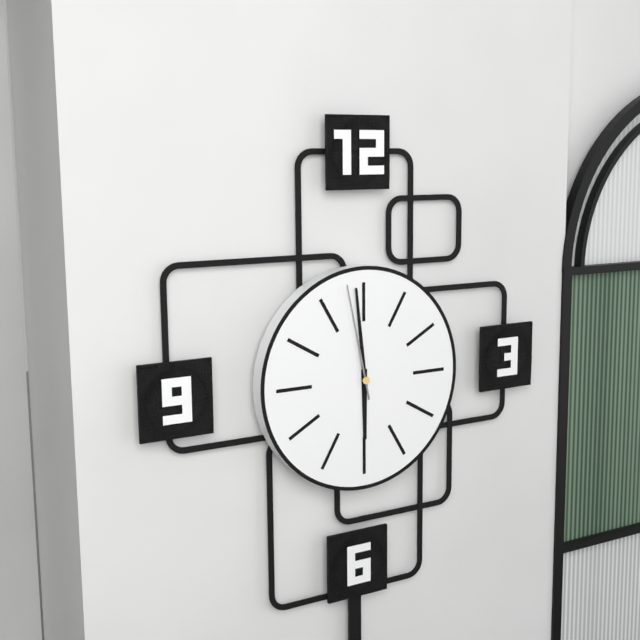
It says **5:59:58**
